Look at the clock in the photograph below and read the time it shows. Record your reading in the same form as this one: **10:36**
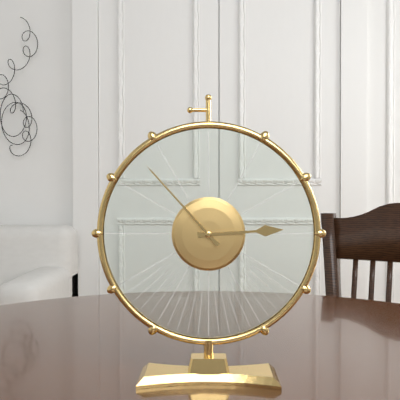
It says **2:53**
